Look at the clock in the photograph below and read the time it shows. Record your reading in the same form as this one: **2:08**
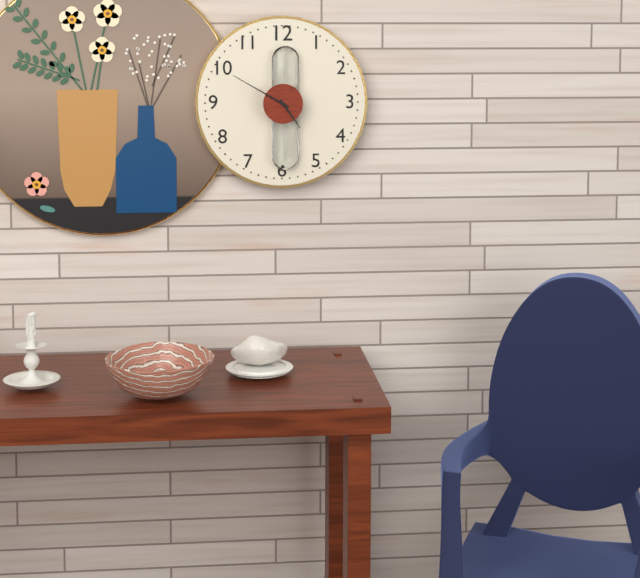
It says **4:50**
